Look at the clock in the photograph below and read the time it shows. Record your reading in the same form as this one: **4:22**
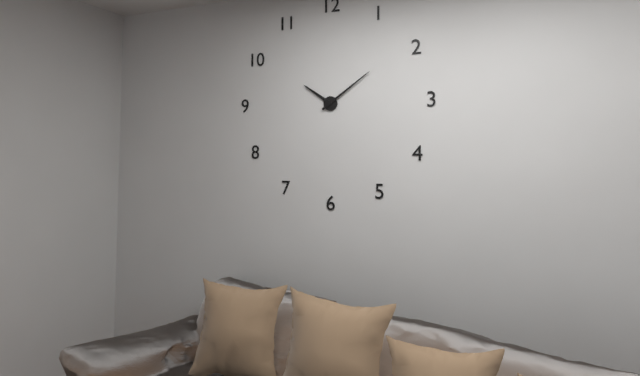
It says **10:09**
